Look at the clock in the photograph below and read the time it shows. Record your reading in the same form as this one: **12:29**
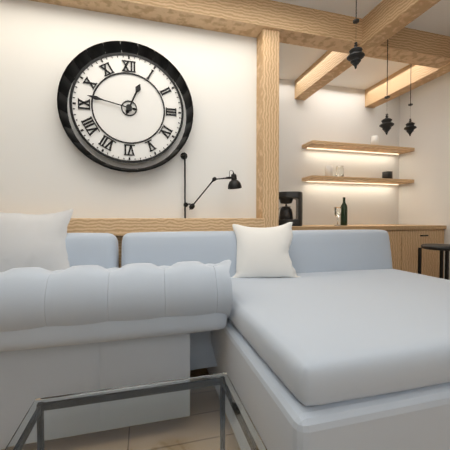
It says **12:47**
